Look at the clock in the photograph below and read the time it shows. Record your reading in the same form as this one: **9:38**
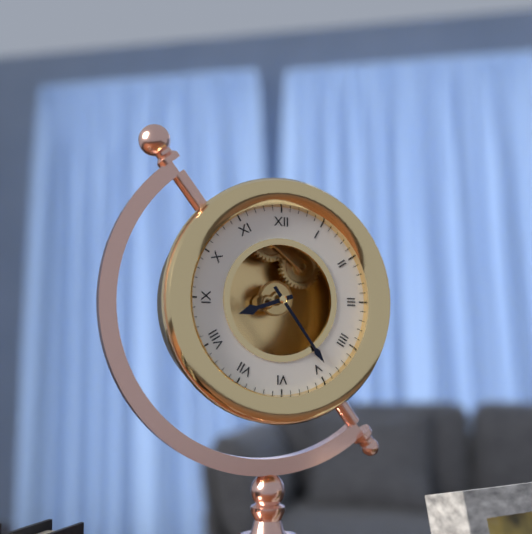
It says **8:24**
